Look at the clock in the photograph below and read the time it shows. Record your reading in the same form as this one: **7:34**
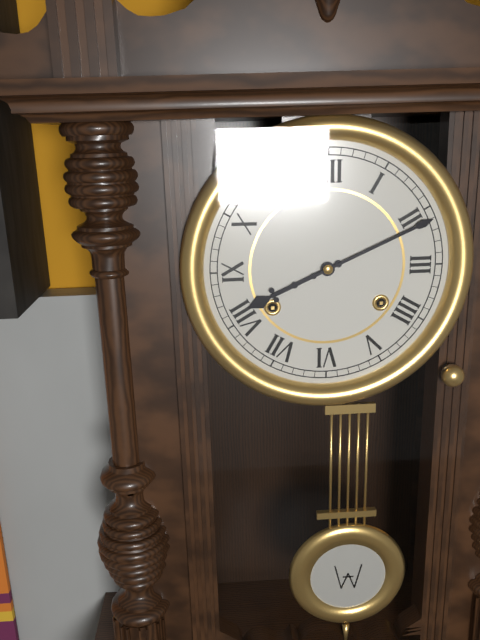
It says **8:11**
